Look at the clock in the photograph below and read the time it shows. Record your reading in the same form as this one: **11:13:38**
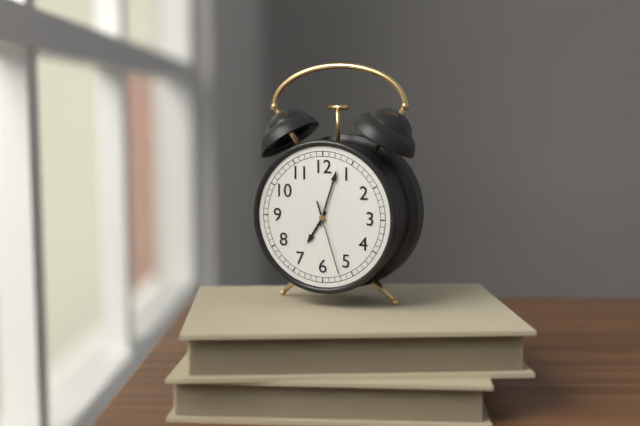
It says **7:03:27**
